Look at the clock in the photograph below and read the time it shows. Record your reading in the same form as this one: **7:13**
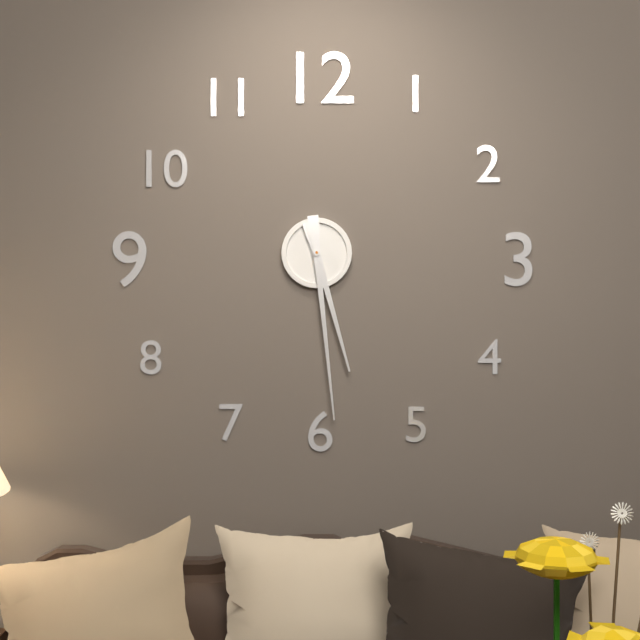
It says **5:29**
